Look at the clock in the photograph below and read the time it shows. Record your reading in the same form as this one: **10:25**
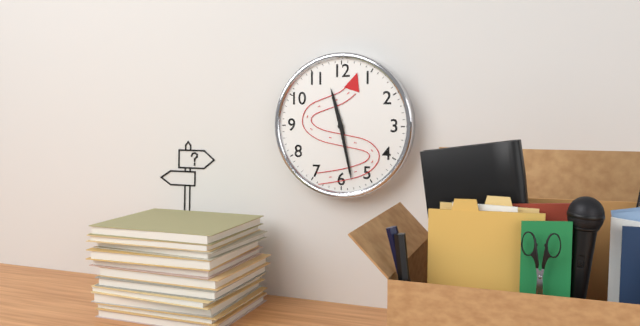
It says **11:28**
